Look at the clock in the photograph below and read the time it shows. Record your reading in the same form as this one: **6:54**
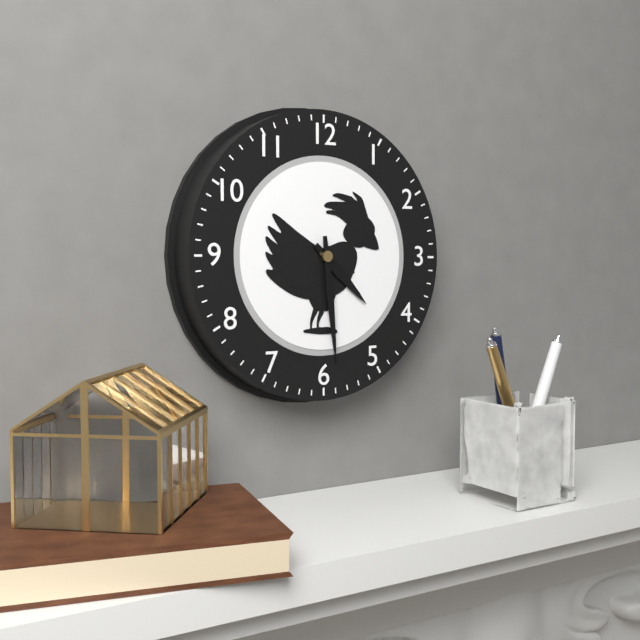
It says **4:29**
